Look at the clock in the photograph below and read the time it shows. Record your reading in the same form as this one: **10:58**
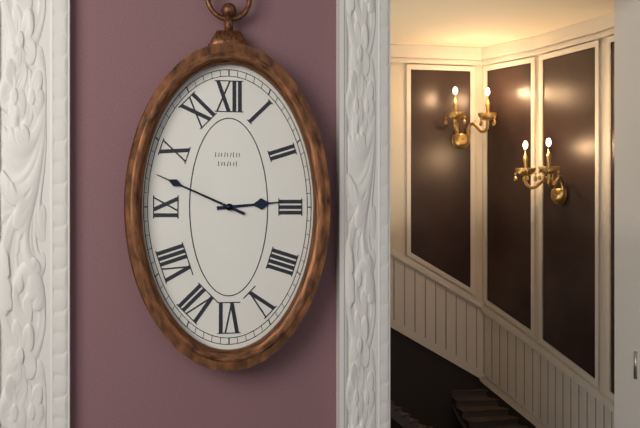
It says **2:49**
